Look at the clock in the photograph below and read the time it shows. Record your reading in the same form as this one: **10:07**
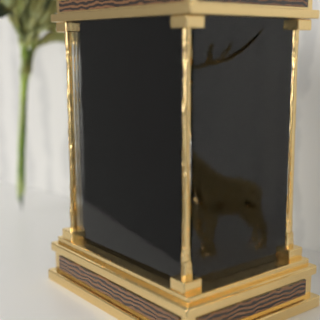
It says **5:35**
